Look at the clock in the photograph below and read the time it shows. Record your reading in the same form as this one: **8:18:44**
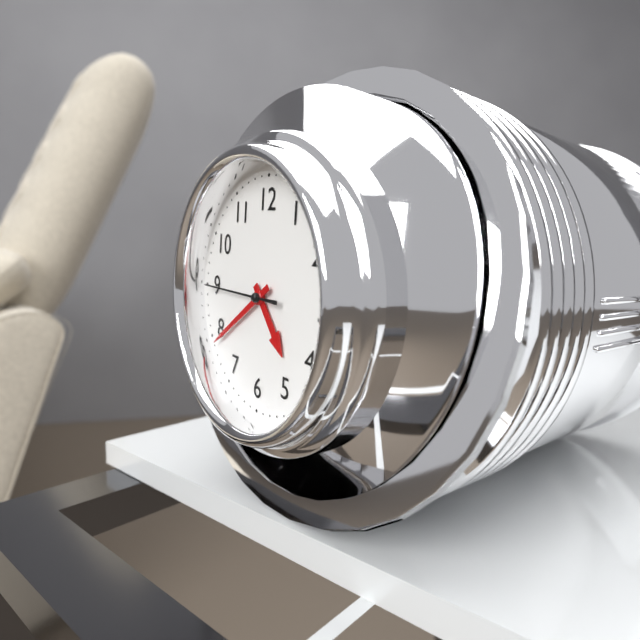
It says **4:39:45**
